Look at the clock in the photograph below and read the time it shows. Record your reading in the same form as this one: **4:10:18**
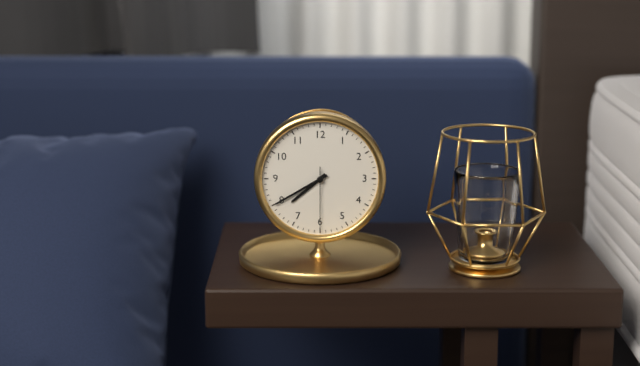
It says **7:40:30**
